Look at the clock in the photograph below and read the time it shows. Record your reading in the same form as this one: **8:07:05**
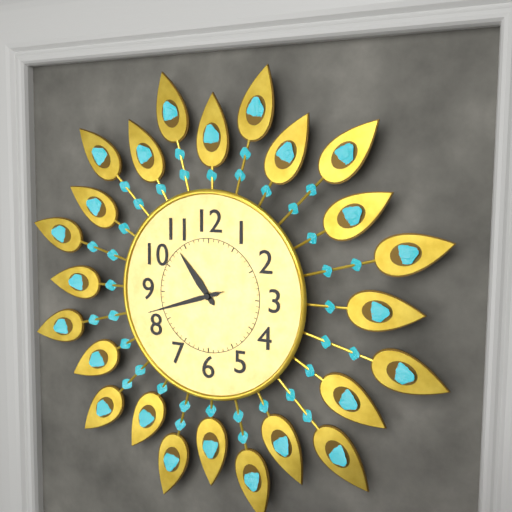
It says **10:42:42**
